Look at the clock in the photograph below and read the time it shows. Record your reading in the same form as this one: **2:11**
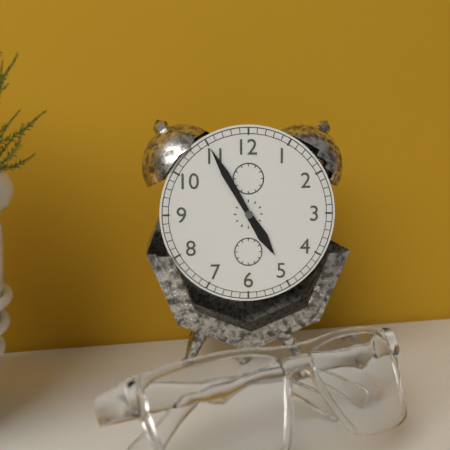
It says **4:55**
